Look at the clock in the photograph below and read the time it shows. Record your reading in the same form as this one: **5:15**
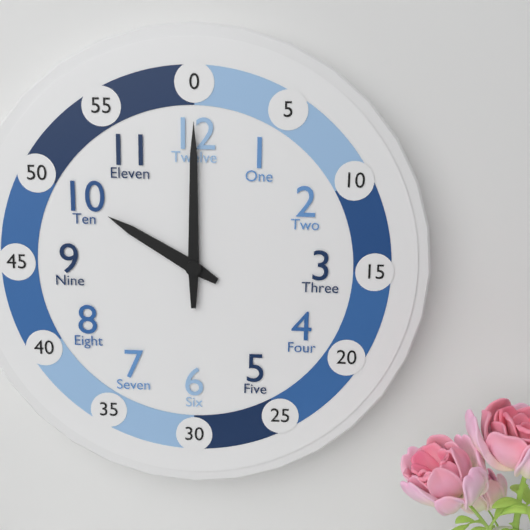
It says **10:00**
